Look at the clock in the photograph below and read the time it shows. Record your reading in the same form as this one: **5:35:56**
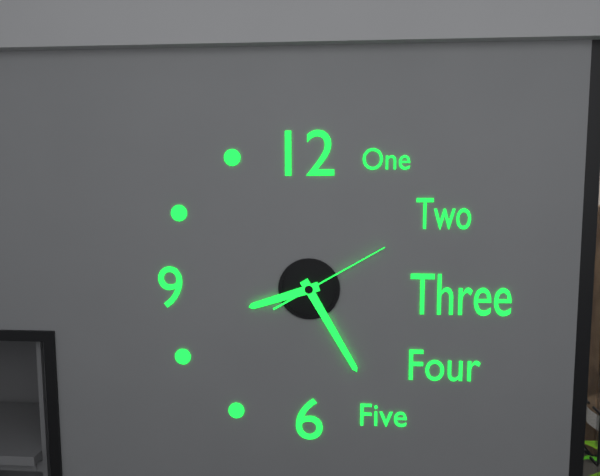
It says **8:25:10**
